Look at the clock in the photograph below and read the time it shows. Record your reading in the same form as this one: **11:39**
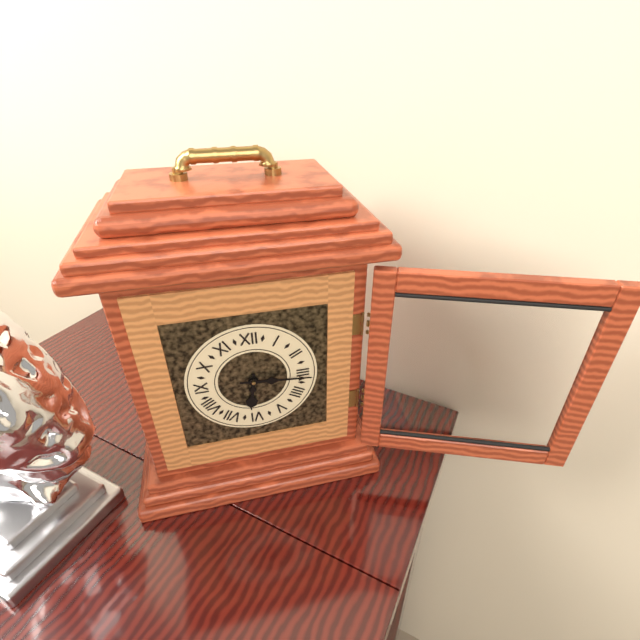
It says **6:16**
